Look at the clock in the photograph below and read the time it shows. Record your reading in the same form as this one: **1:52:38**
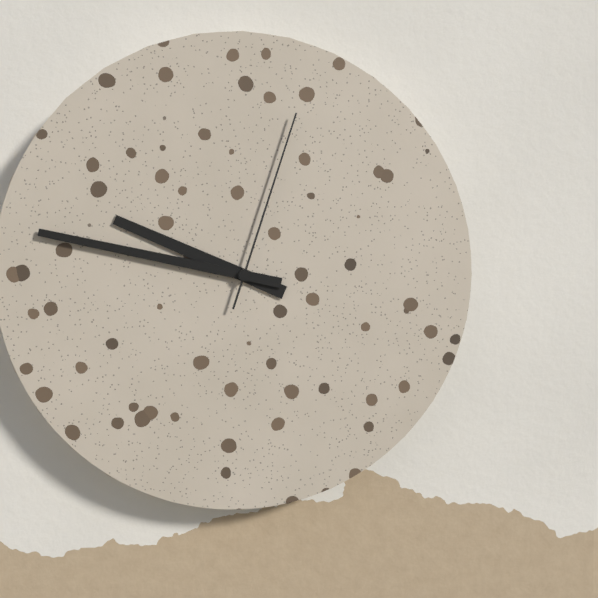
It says **9:47:03**
